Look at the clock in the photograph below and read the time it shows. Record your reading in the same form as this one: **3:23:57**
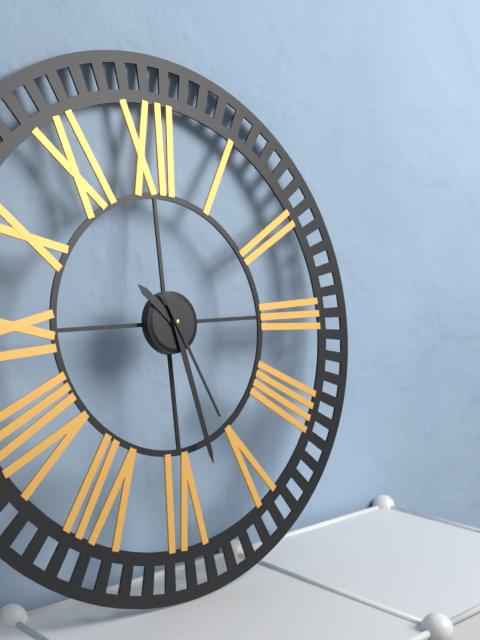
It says **10:28:26**
